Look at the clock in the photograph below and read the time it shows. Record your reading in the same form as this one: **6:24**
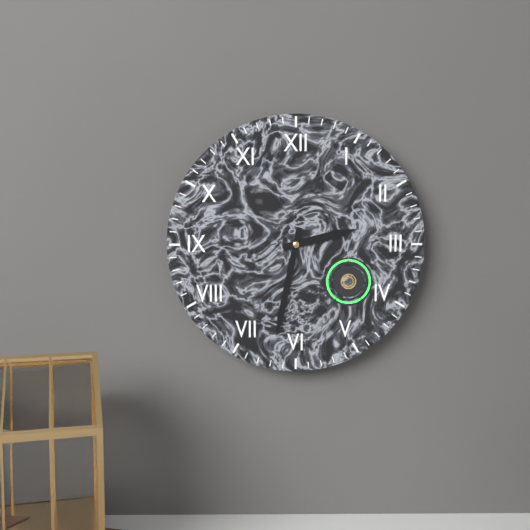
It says **2:32**
